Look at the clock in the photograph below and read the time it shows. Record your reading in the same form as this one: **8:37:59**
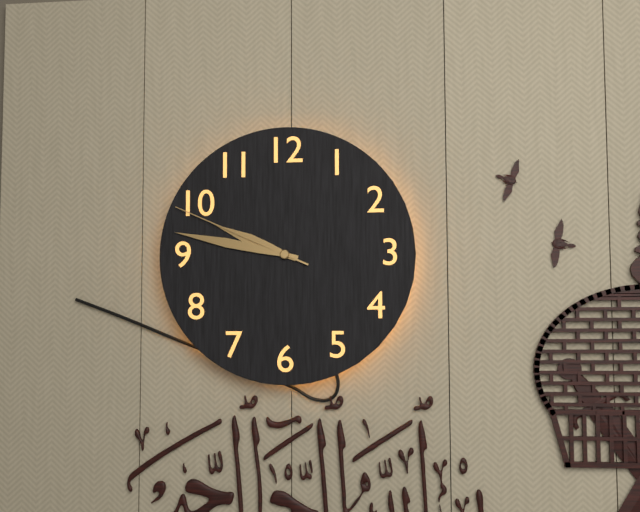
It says **9:47:49**
